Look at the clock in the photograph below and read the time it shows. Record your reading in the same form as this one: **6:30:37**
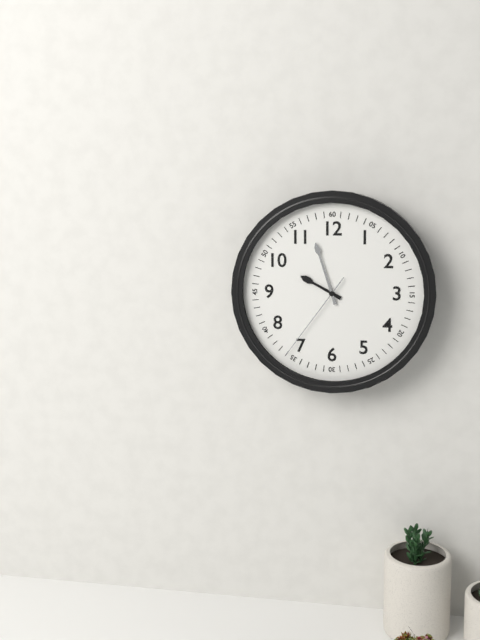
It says **9:57:36**
